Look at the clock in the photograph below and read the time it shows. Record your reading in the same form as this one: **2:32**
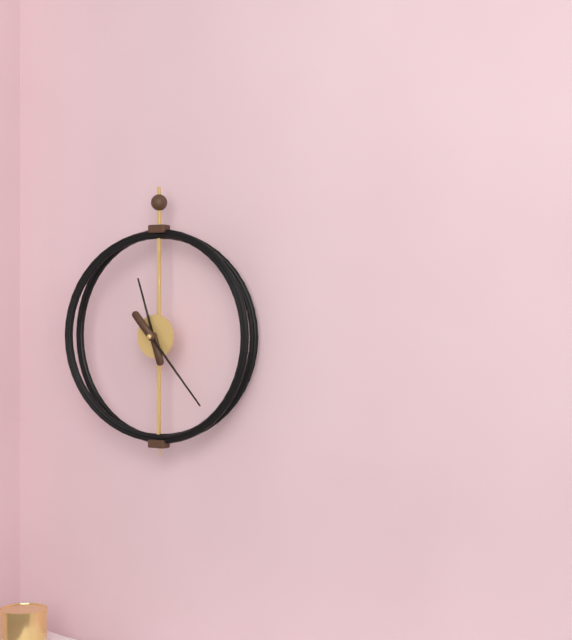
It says **11:23**
